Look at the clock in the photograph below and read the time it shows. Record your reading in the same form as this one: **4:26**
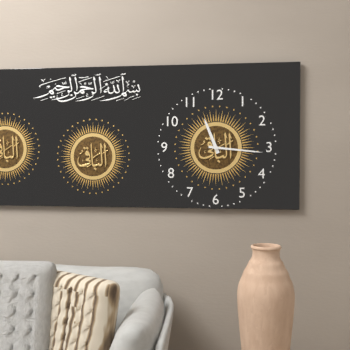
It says **11:16**
